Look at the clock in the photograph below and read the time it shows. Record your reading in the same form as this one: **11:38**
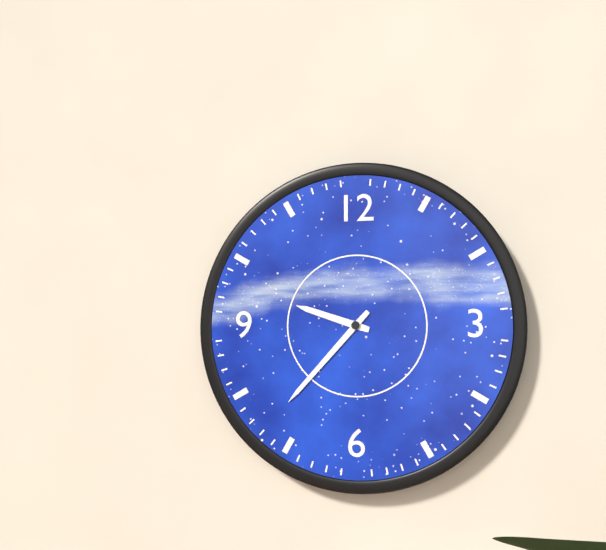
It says **9:37**
